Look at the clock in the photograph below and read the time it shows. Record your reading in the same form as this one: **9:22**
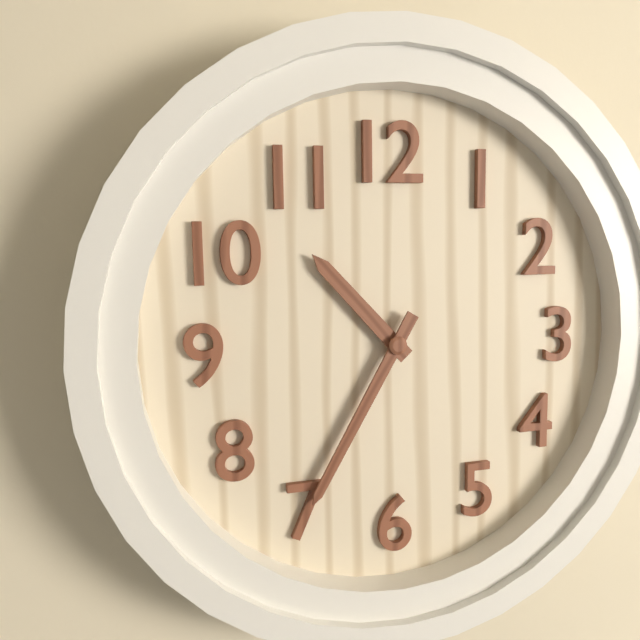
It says **10:35**
